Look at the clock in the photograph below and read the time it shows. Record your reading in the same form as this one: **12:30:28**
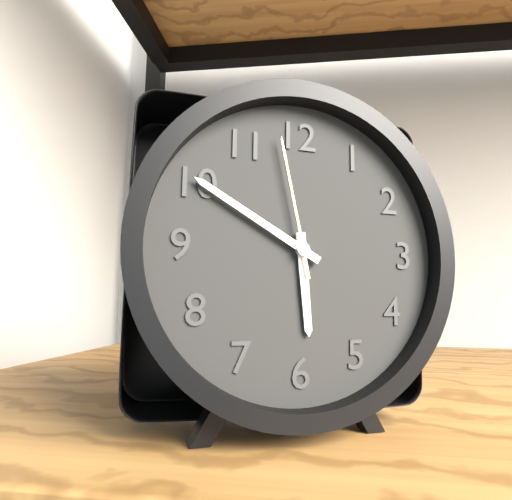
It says **5:50:58**
